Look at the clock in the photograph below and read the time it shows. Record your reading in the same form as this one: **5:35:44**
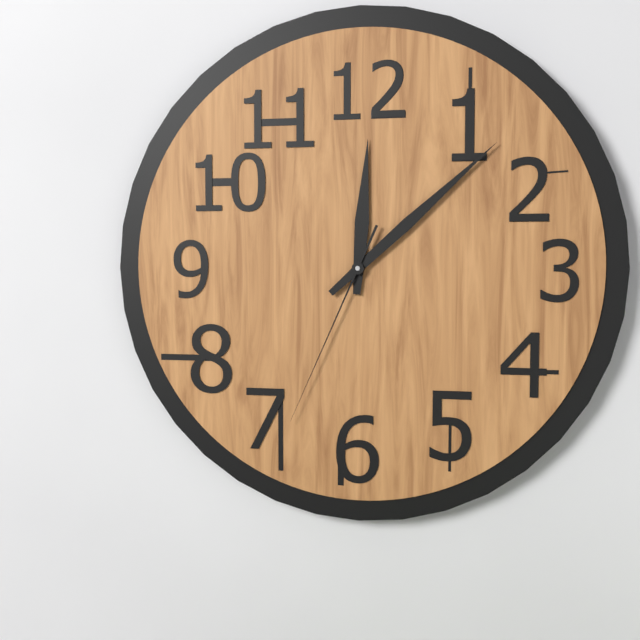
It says **12:08:34**
